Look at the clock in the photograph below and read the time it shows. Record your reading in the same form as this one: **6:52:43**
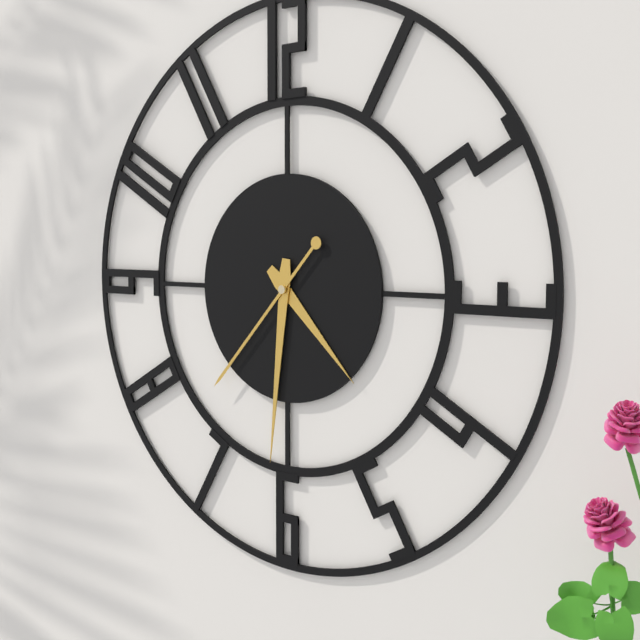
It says **4:31:37**
